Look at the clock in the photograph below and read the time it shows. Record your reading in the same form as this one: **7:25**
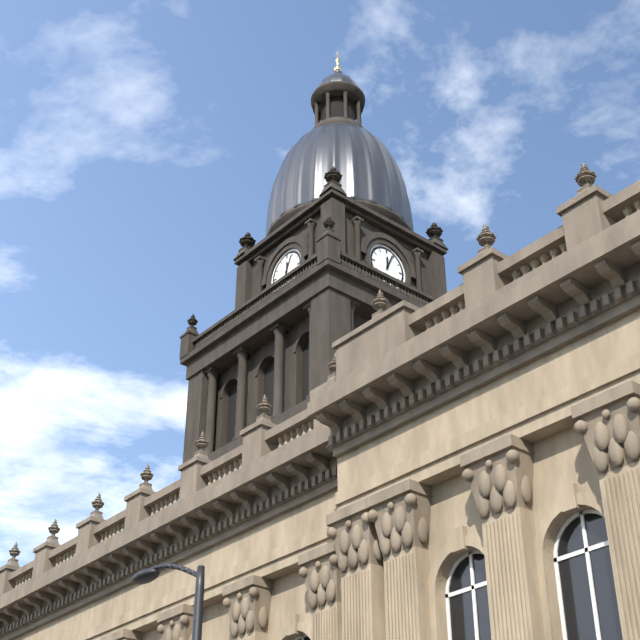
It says **12:04**
